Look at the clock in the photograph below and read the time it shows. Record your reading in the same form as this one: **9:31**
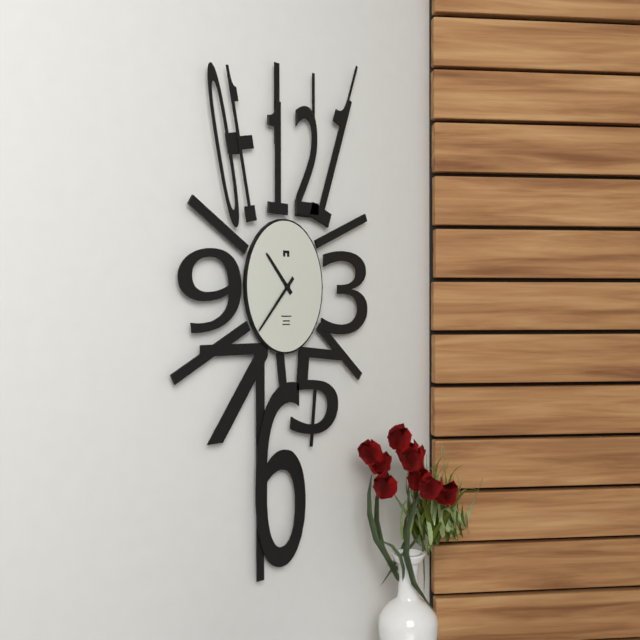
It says **10:37**
